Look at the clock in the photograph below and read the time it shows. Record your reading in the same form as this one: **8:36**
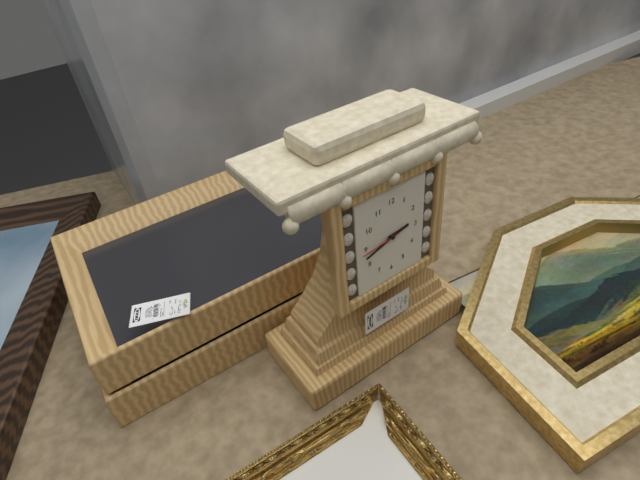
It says **2:42**
